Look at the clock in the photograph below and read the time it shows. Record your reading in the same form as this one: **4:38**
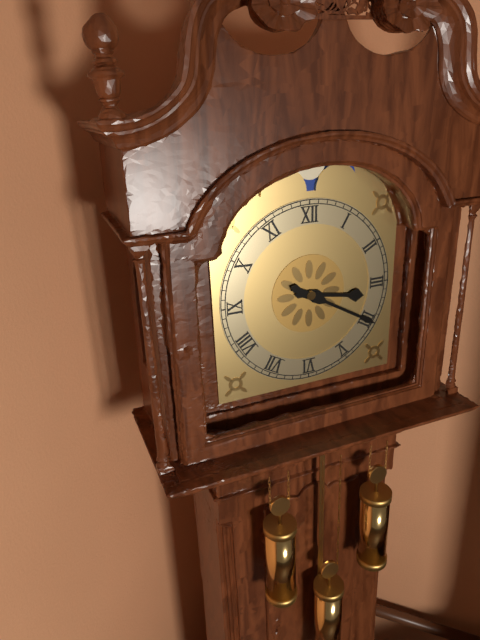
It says **3:20**
